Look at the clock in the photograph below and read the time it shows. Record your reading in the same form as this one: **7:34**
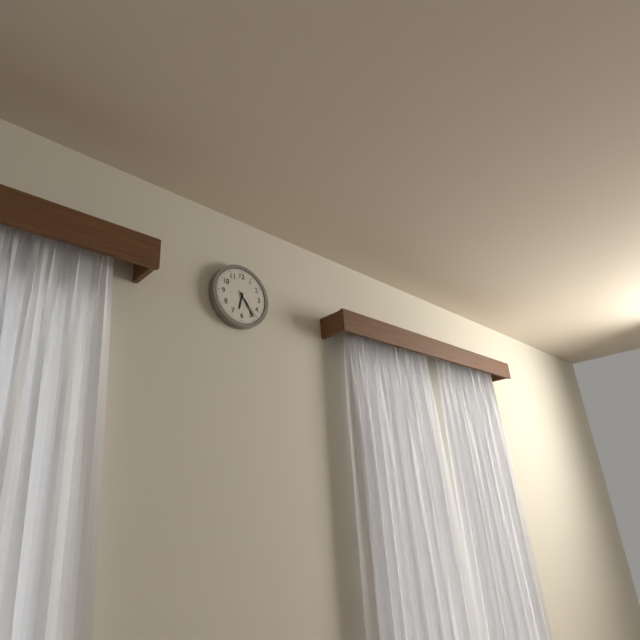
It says **6:24**
